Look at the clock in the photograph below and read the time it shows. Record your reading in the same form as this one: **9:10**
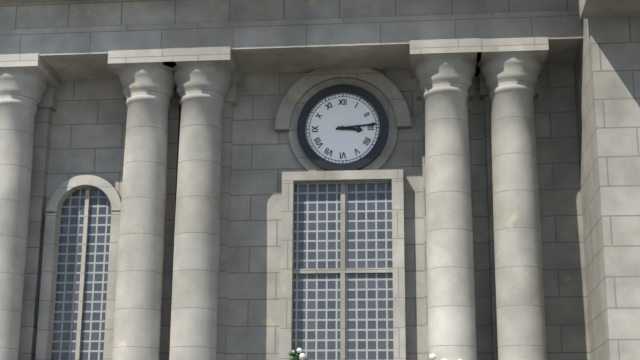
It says **3:14**
